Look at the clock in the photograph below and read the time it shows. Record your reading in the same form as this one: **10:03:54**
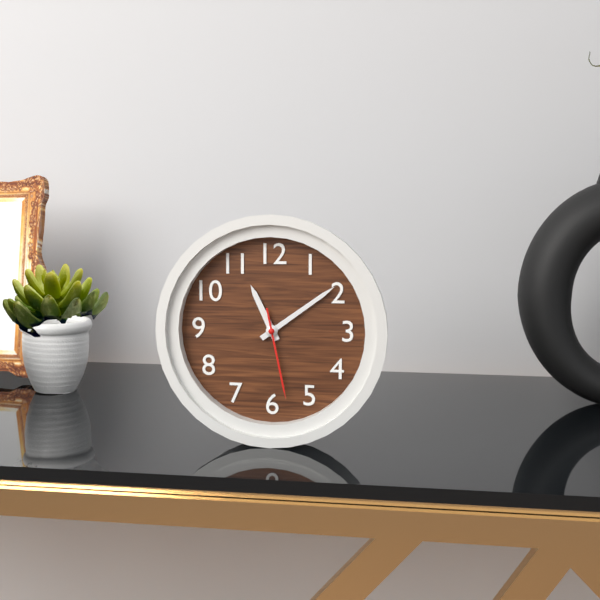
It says **11:09:28**
